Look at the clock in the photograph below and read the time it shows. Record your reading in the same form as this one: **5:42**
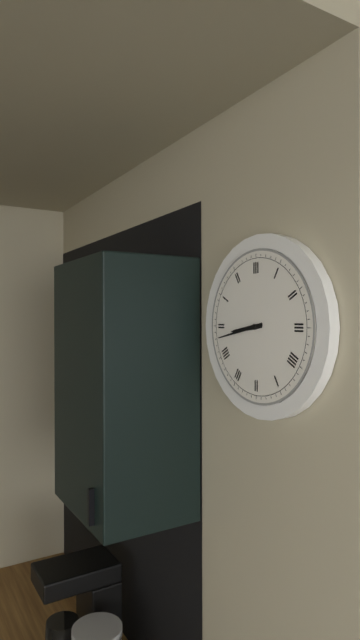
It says **8:43**
